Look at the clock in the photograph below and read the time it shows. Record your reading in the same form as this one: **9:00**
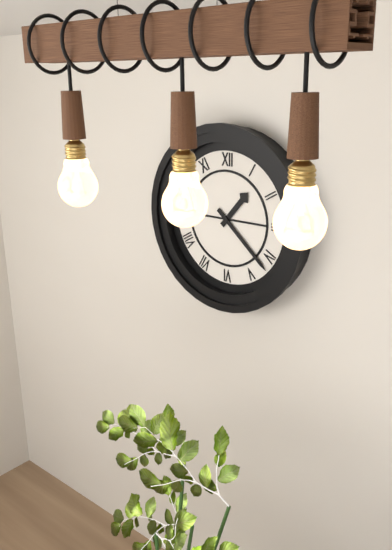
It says **1:22**
